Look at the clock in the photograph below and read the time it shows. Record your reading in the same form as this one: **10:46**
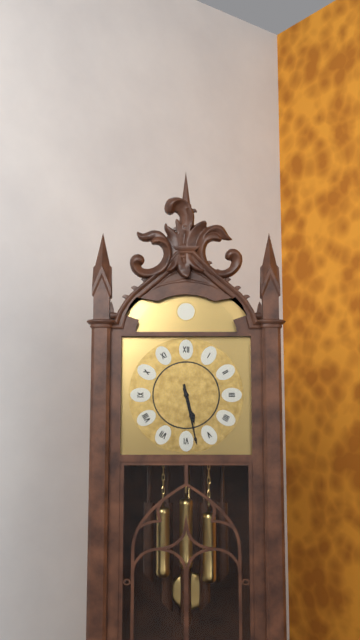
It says **5:28**
